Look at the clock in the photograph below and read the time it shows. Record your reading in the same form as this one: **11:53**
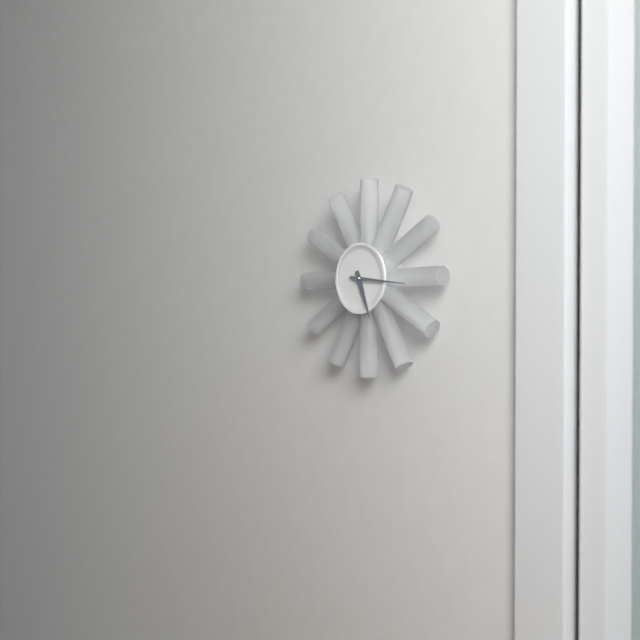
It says **5:16**
